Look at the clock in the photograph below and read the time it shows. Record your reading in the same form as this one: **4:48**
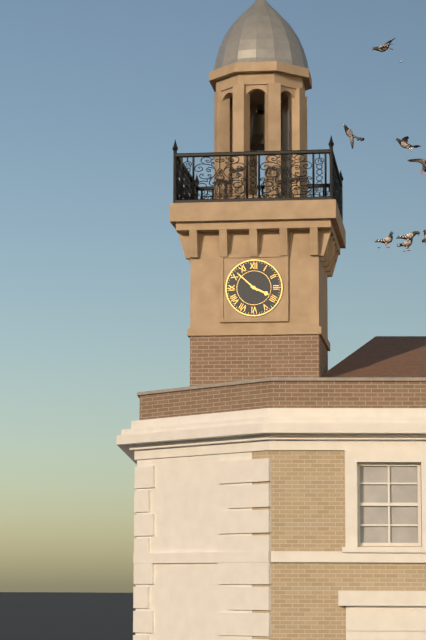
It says **3:52**
